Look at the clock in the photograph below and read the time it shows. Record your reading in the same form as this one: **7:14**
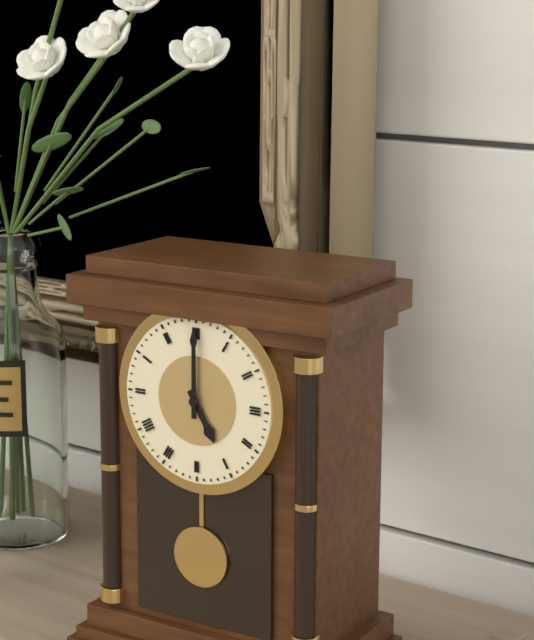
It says **5:00**
